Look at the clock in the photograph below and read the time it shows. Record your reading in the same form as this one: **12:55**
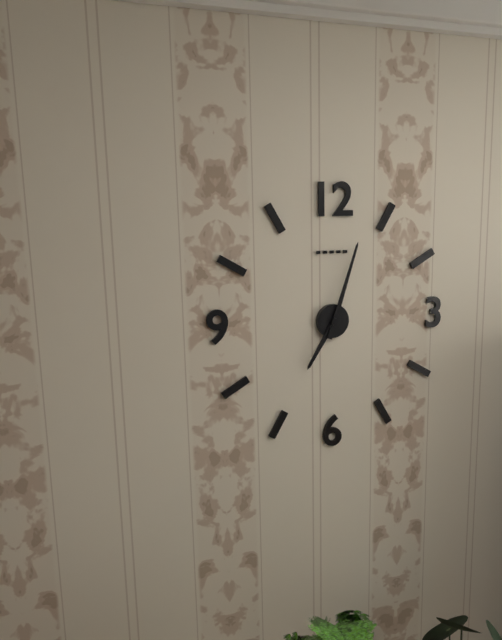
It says **7:03**
